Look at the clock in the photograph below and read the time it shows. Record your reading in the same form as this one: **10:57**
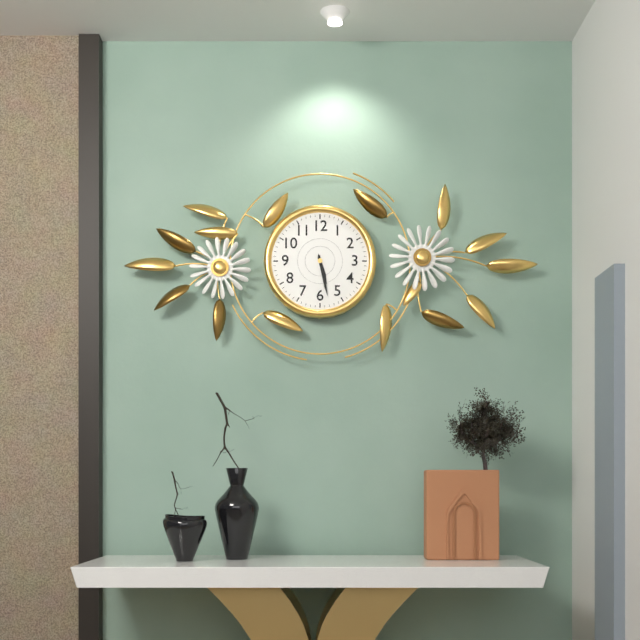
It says **5:28**
